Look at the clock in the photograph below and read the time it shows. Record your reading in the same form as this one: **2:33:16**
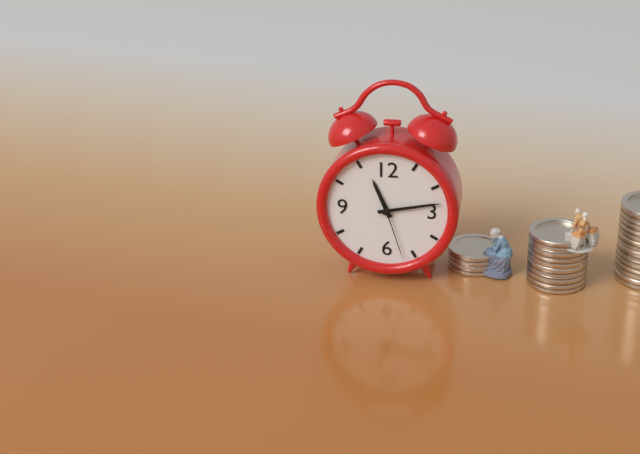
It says **11:13:27**
